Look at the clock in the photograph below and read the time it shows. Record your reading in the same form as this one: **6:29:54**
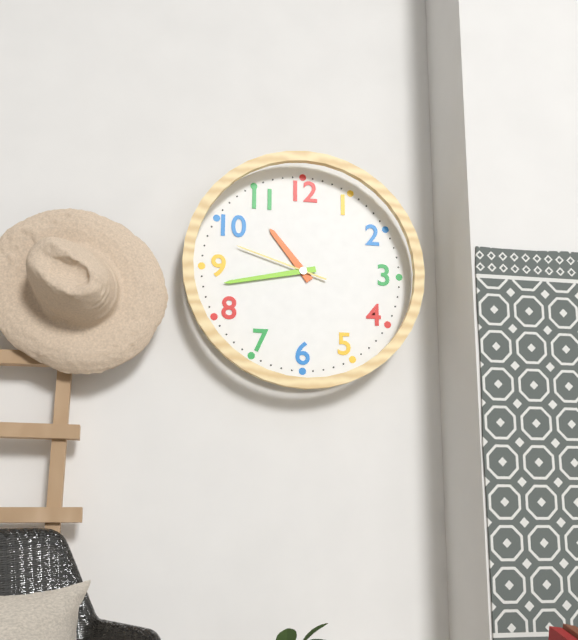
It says **10:43:48**
